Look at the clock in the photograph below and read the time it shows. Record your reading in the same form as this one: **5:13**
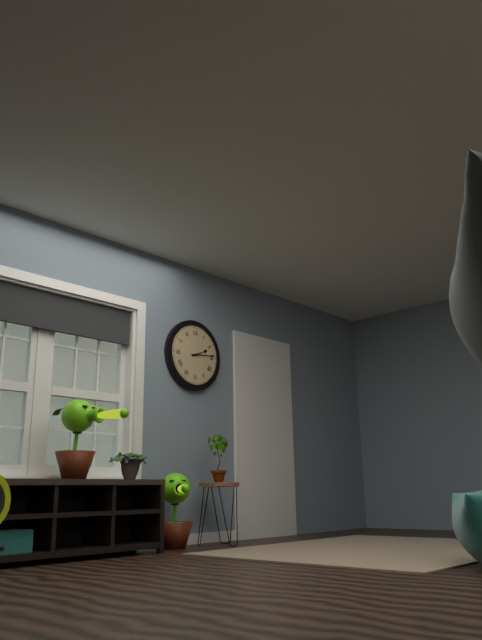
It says **2:14**
